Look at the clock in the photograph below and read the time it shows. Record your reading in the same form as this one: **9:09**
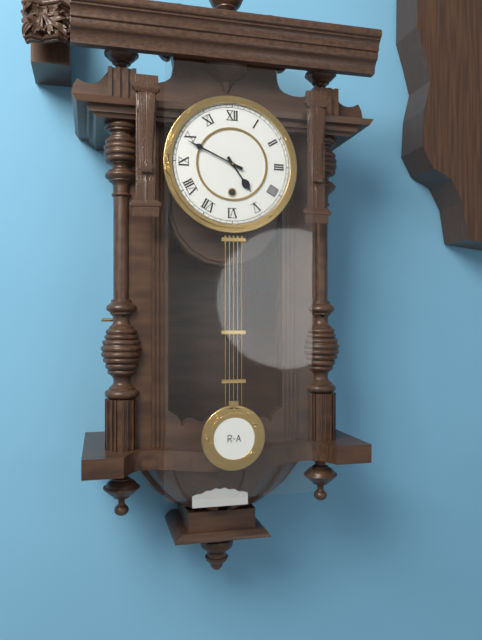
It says **4:49**
